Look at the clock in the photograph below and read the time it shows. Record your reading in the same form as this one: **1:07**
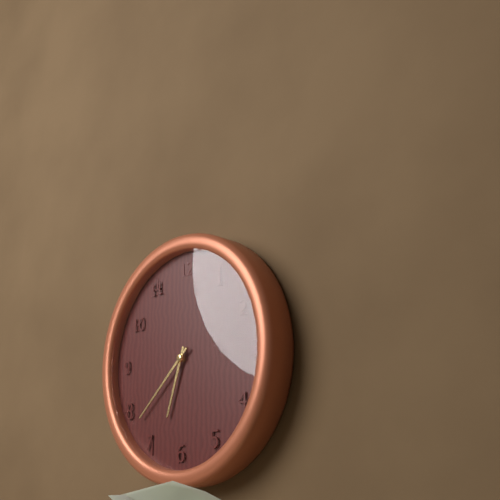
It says **6:38**
